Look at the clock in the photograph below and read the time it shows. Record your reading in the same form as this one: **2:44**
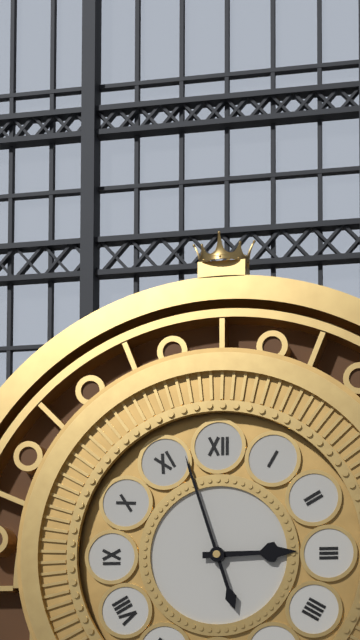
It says **2:57**
